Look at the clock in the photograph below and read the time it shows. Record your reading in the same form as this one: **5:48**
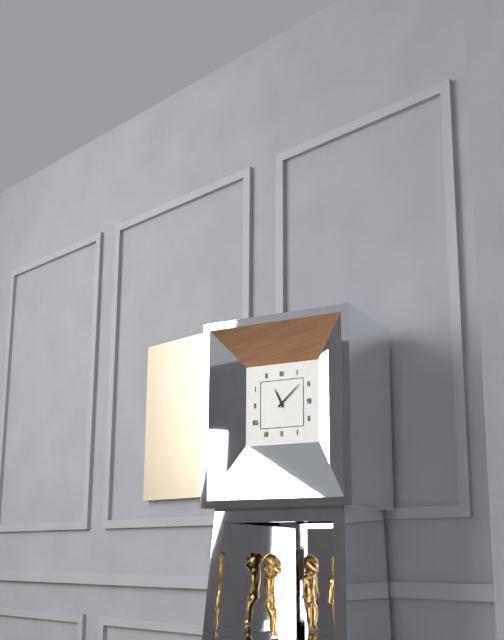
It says **11:08**
